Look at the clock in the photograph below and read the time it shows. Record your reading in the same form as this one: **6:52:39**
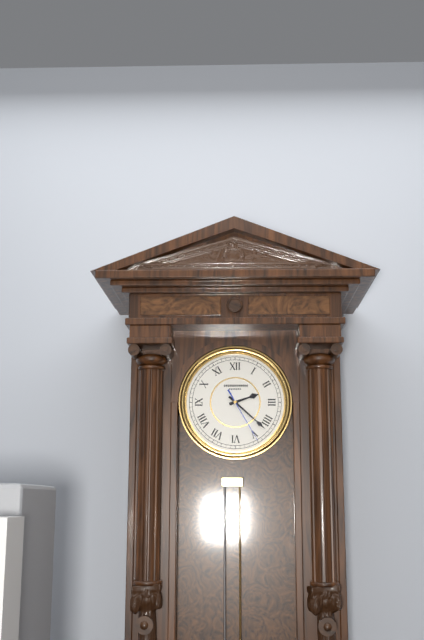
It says **2:22:25**
